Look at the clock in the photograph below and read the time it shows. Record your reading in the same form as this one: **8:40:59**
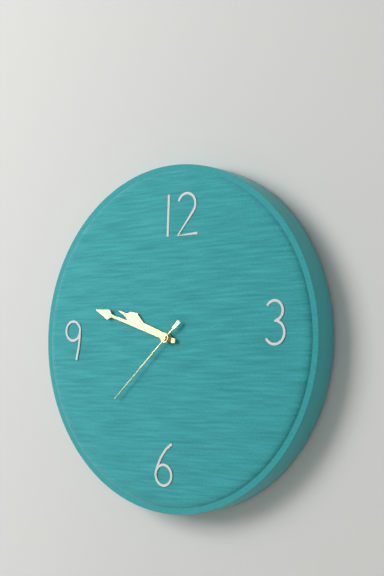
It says **9:48:38**
